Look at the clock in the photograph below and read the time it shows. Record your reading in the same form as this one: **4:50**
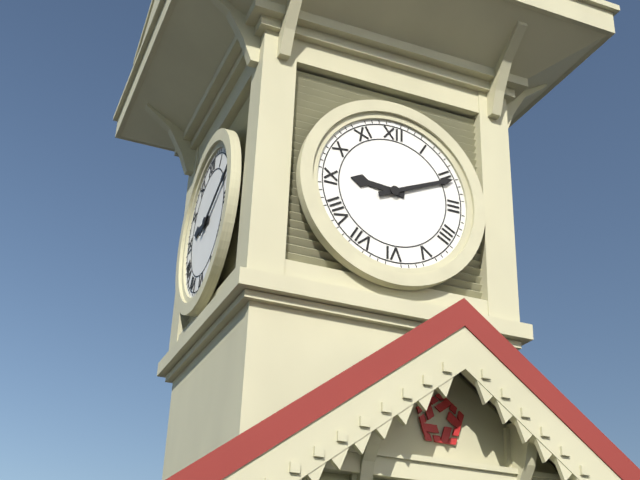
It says **9:11**
